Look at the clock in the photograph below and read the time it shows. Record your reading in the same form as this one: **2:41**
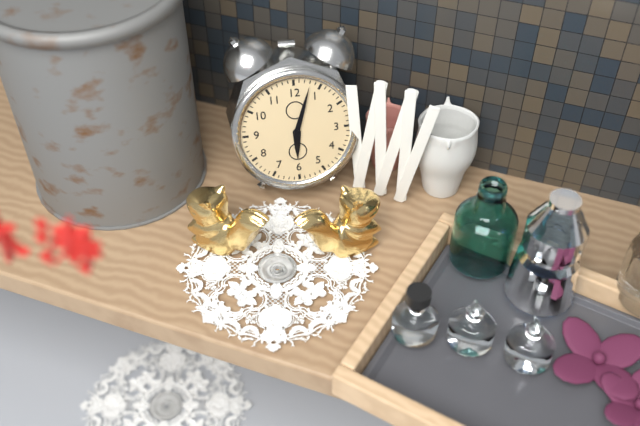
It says **6:03**
